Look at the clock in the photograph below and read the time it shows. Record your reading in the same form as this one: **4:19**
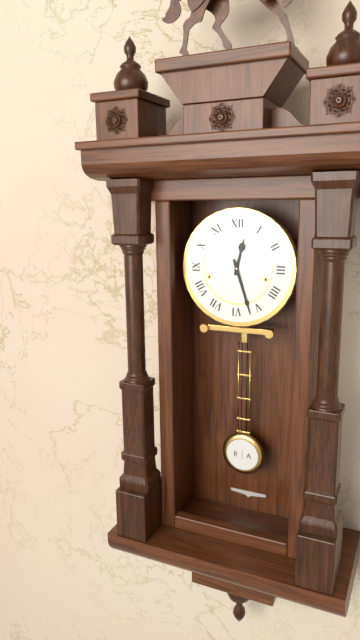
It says **12:27**
